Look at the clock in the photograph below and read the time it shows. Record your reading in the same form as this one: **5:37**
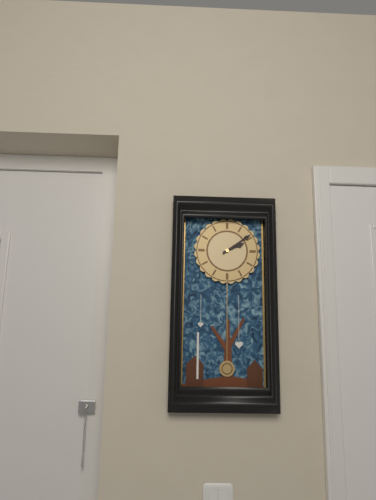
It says **2:09**
